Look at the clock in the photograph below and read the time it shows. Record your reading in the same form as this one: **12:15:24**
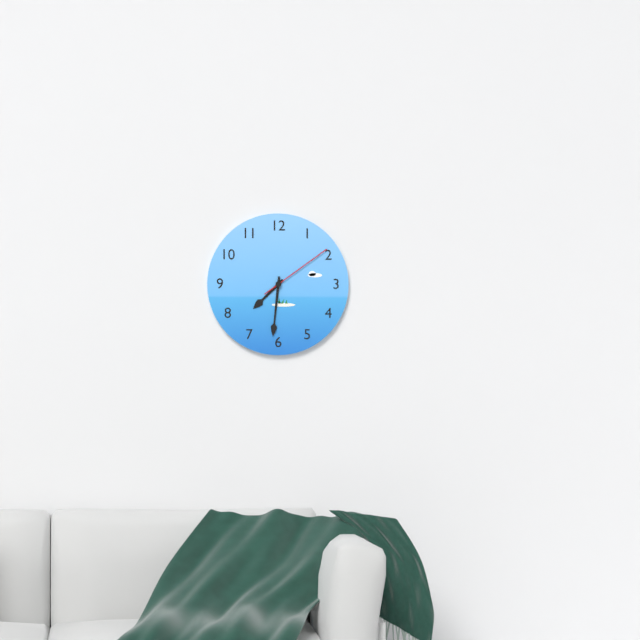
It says **7:31:09**
